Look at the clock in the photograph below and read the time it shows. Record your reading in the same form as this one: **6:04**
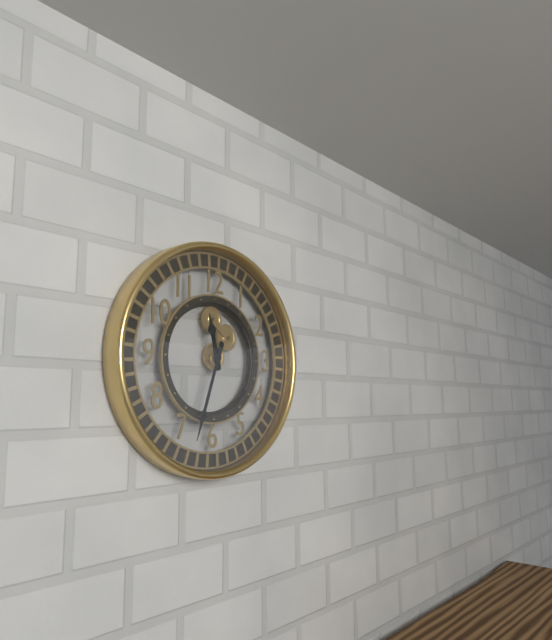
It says **11:33**
